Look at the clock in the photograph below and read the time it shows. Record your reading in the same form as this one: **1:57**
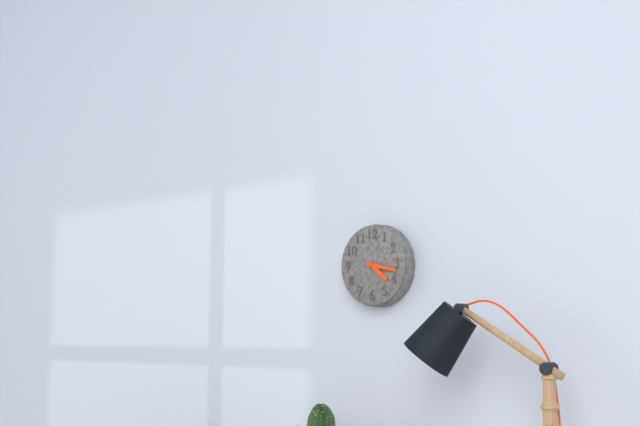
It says **4:17**
